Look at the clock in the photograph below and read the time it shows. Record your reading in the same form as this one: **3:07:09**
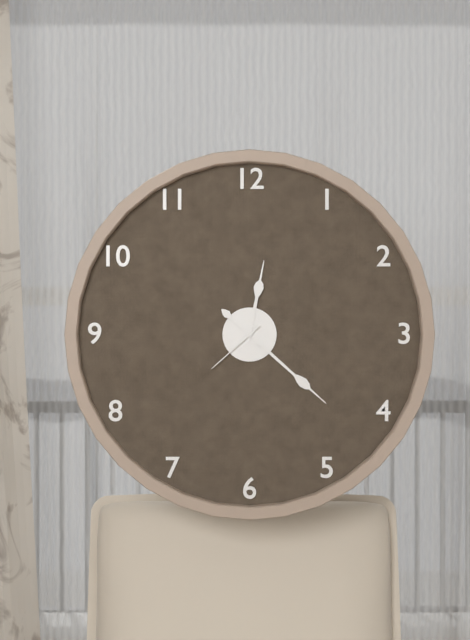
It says **12:22:38**
